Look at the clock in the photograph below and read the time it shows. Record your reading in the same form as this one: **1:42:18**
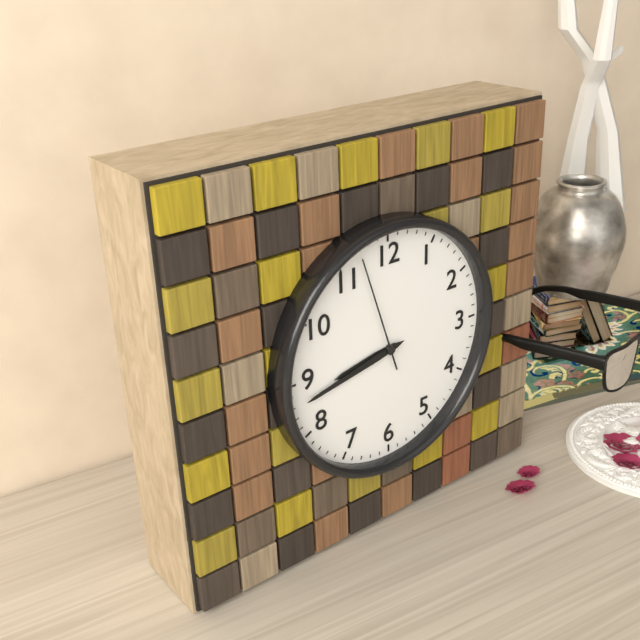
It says **8:43:57**
